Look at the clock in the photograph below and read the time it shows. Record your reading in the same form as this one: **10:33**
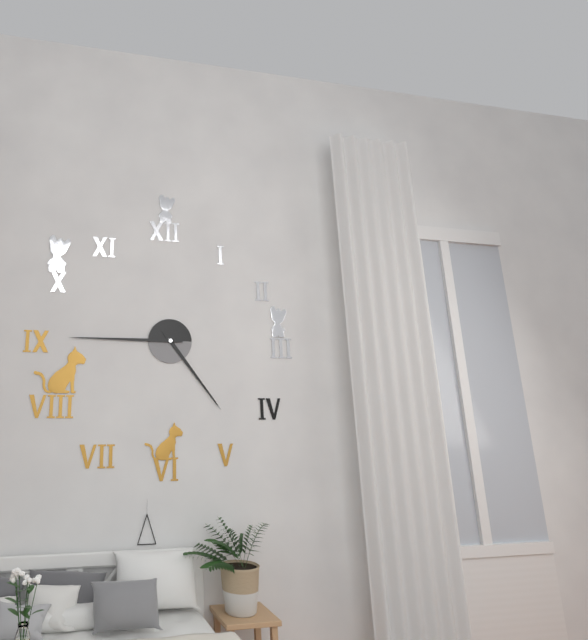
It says **4:45**
